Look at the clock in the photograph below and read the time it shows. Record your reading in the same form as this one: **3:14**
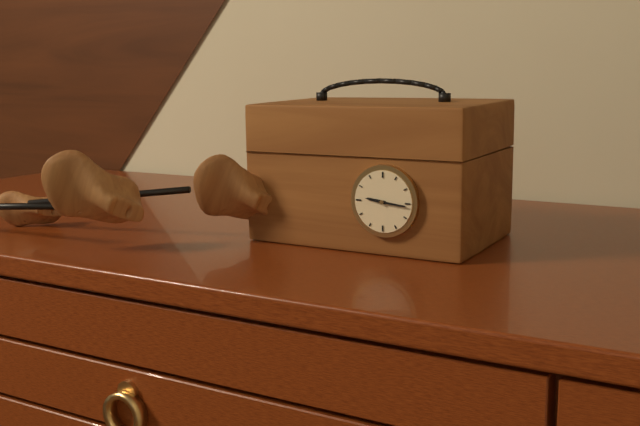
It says **9:16**
